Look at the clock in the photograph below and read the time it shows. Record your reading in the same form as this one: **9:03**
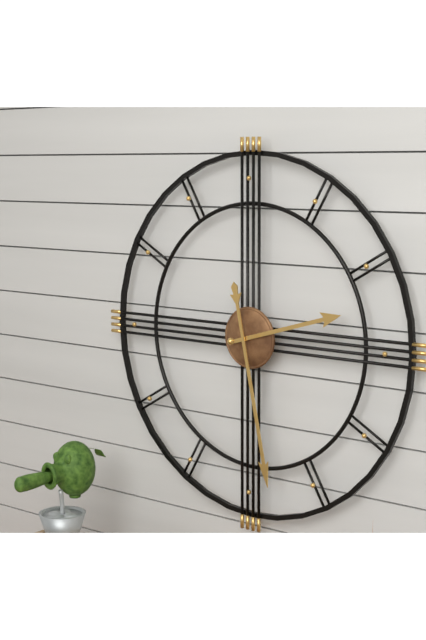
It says **2:28**
